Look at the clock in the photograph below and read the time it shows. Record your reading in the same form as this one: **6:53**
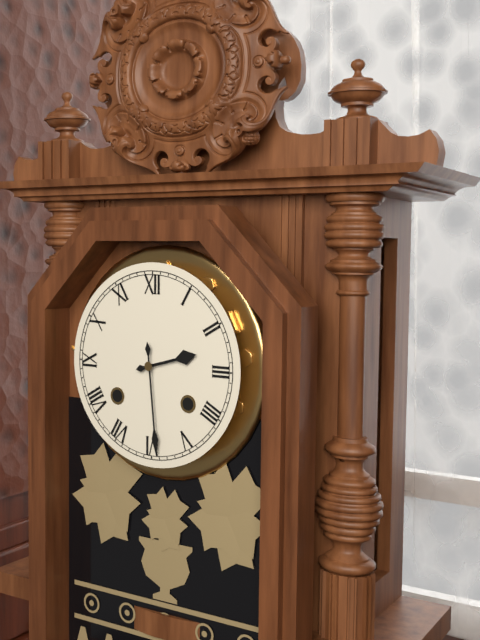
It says **2:29**
